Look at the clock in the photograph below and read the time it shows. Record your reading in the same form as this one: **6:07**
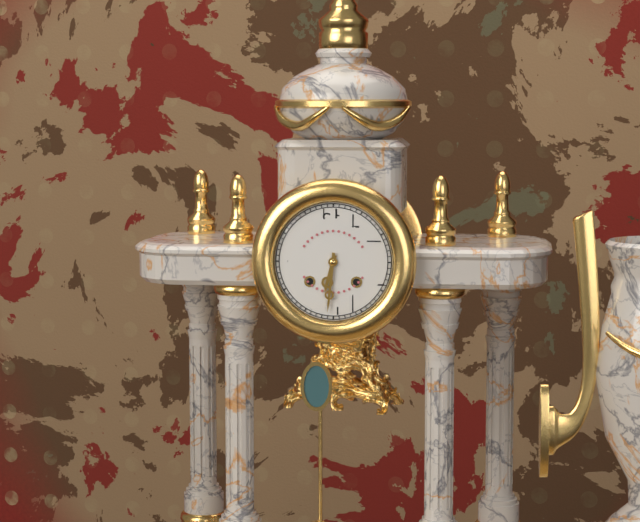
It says **6:31**
